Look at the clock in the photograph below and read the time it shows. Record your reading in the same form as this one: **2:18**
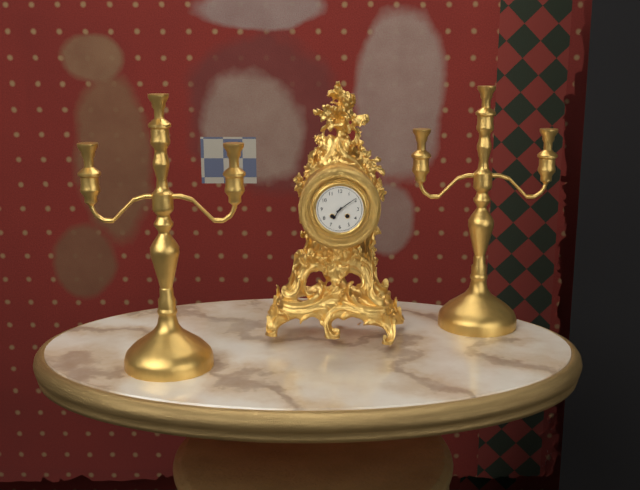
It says **7:09**
